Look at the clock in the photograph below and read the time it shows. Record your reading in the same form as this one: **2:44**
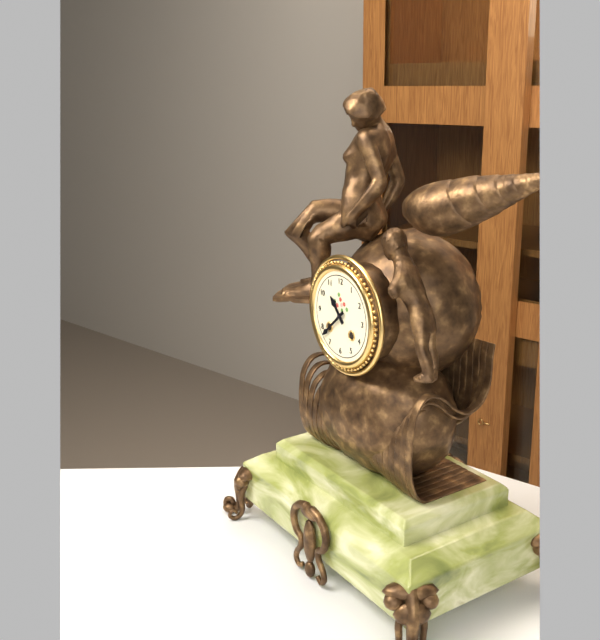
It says **10:38**
